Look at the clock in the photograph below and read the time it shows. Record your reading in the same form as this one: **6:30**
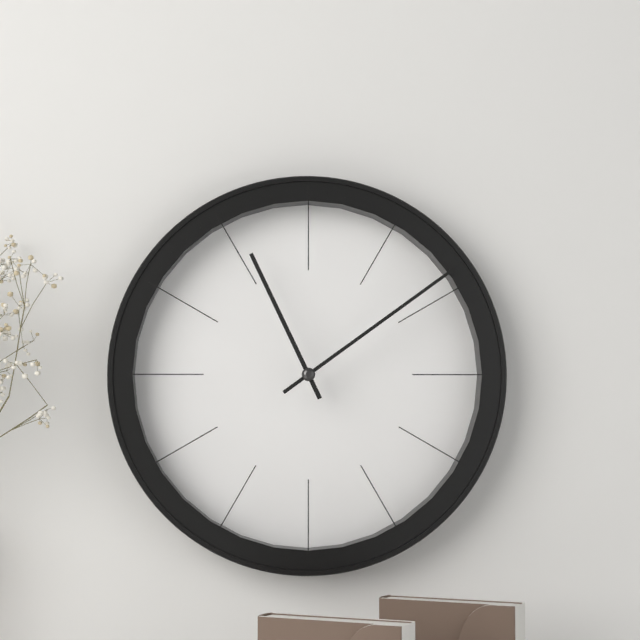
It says **11:09**
